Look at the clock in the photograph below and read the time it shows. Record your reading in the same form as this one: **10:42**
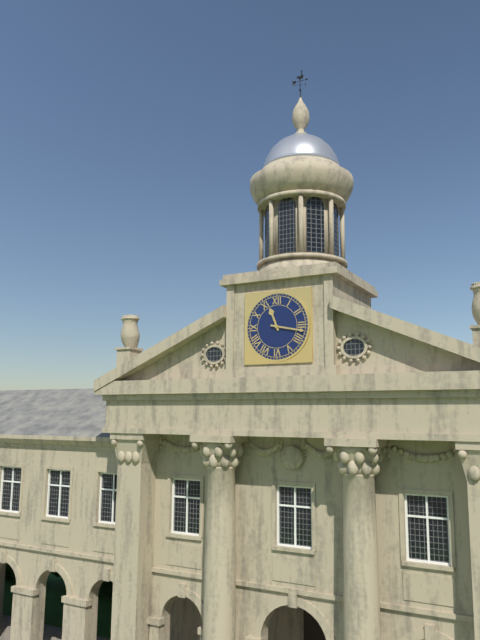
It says **11:17**
